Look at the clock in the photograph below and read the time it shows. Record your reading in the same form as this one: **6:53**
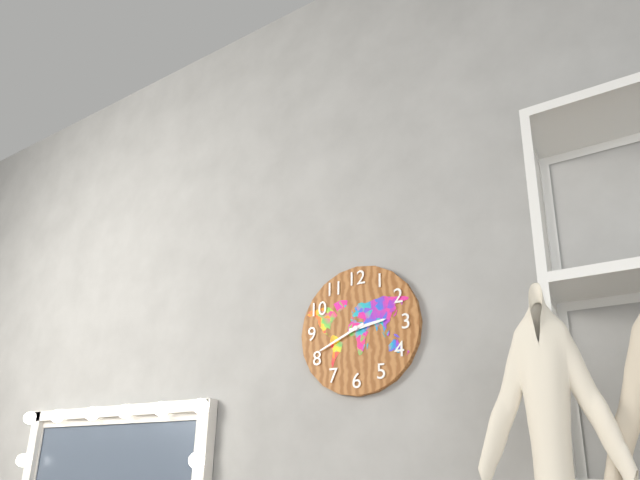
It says **2:41**
